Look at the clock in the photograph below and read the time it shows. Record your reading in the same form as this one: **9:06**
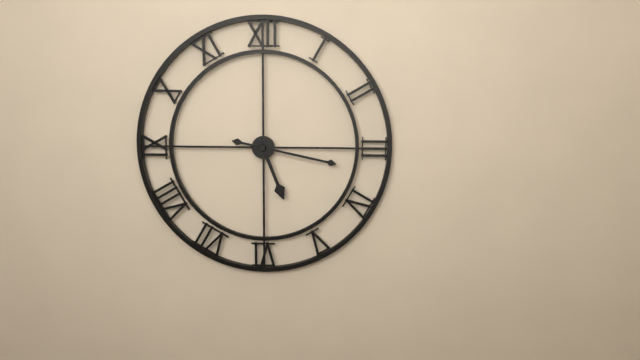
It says **5:17**
